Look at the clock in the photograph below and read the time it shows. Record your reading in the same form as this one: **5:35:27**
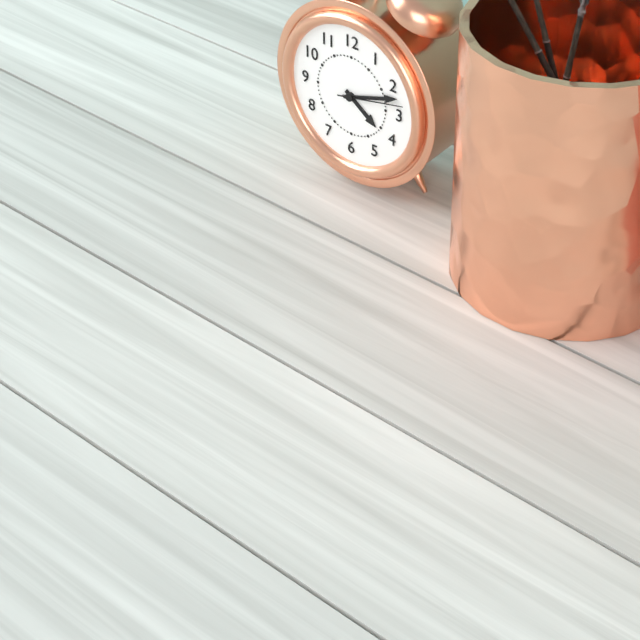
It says **4:12:13**
